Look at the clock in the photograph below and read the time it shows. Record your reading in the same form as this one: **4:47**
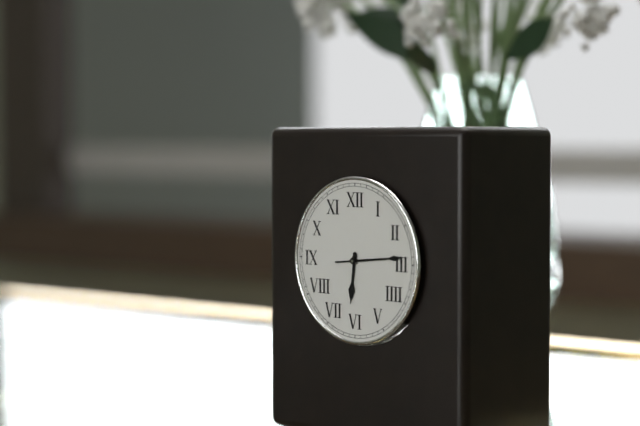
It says **6:14**
